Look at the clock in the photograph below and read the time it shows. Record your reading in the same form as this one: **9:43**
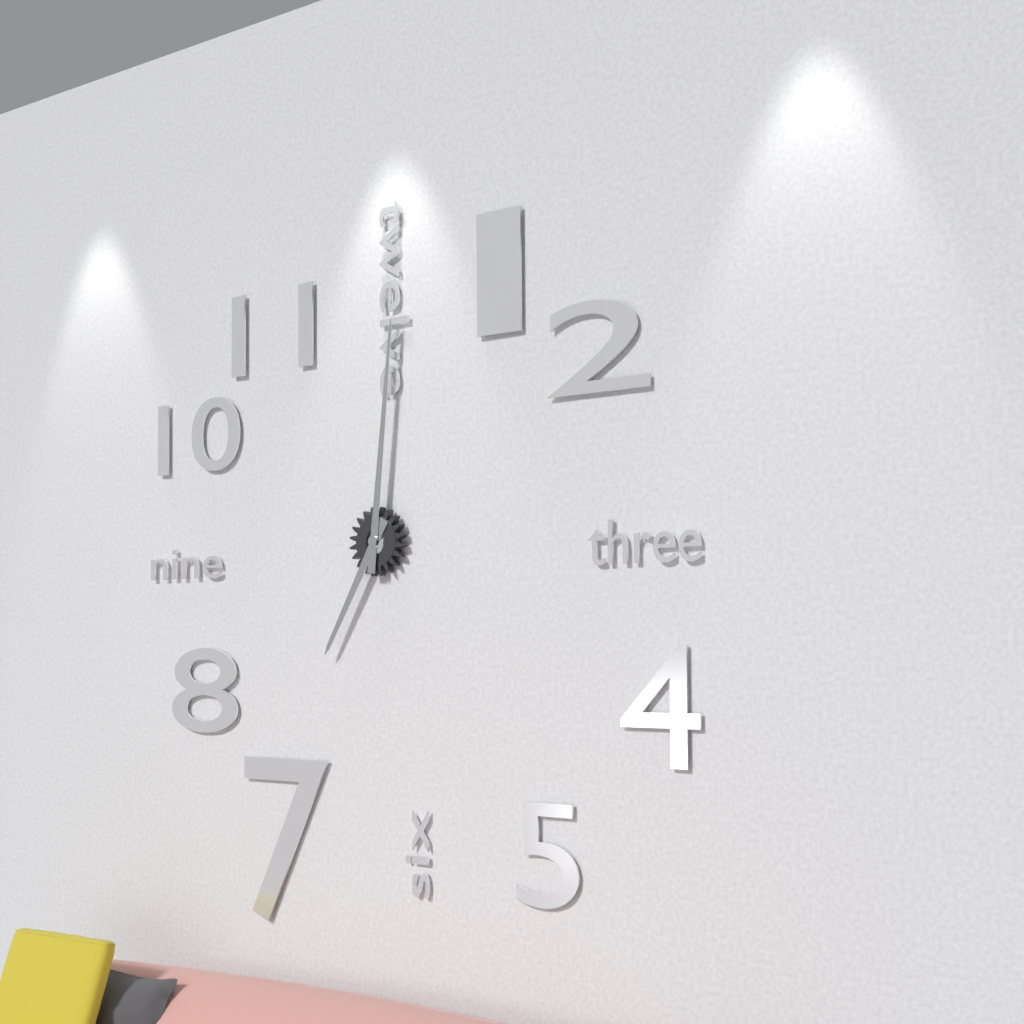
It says **7:01**
